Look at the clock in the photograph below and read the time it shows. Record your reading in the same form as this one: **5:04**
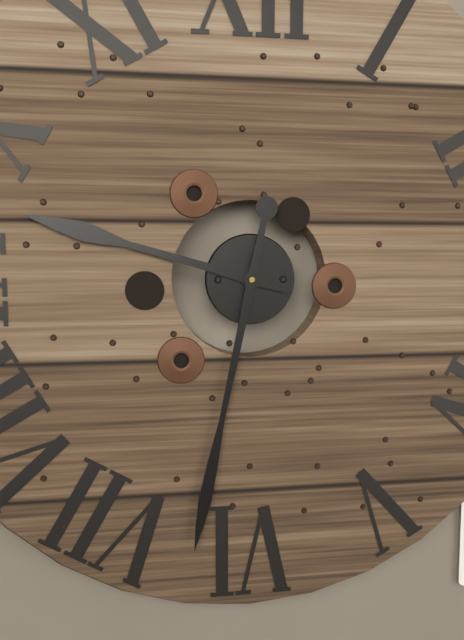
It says **9:32**
